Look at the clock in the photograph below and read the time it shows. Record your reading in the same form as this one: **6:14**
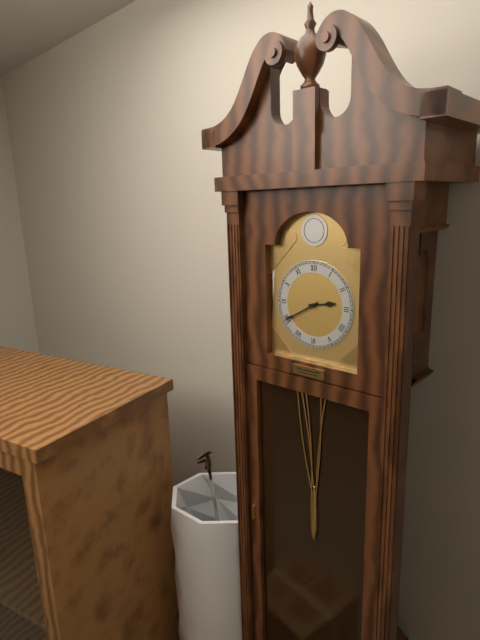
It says **2:40**
